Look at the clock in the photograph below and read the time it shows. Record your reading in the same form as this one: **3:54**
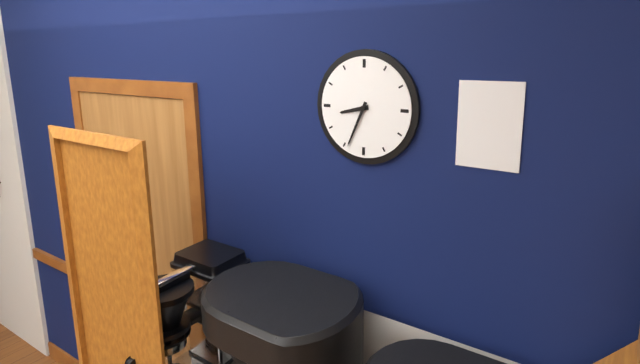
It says **8:34**
